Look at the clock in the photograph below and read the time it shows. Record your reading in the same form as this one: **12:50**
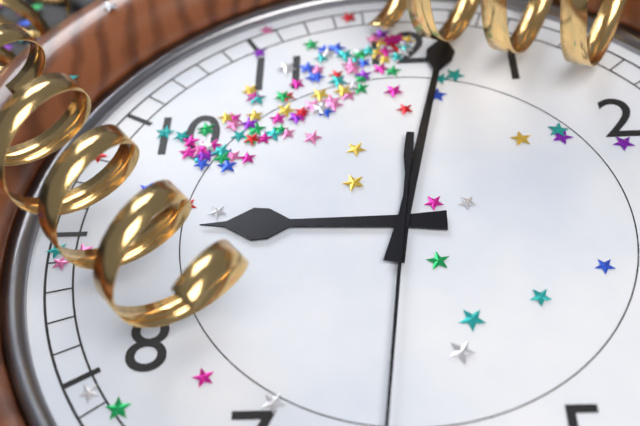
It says **9:02**
